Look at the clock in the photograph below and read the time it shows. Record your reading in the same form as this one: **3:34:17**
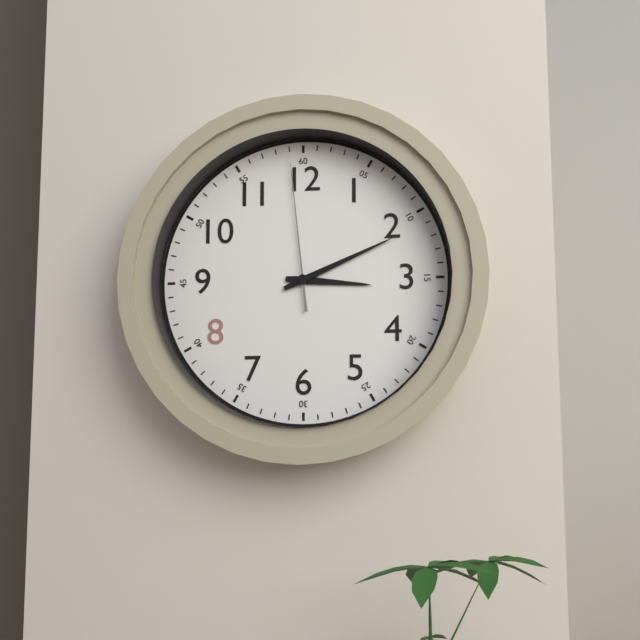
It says **3:11:59**
